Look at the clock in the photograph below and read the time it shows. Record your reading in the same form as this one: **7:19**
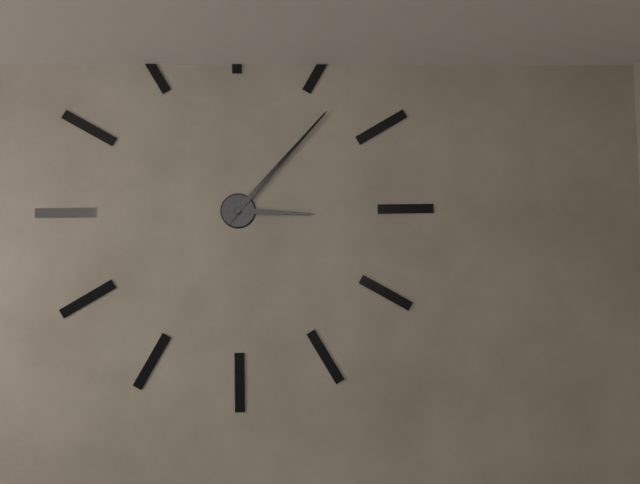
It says **3:07**
